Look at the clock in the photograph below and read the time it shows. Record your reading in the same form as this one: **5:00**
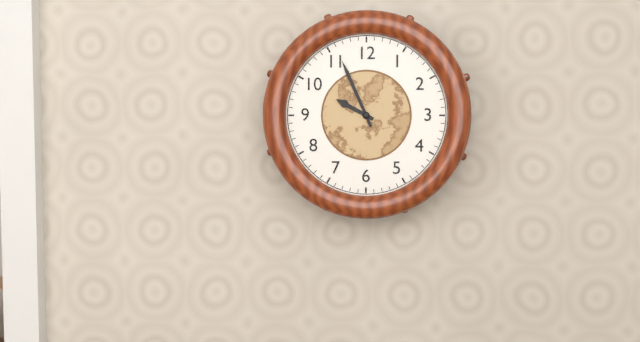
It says **9:56**
